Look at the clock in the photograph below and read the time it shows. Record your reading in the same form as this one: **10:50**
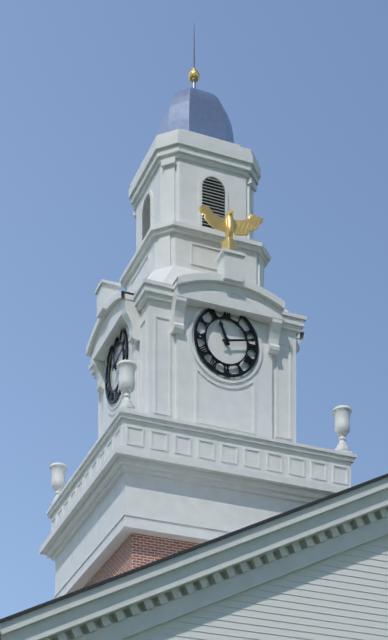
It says **11:13**
